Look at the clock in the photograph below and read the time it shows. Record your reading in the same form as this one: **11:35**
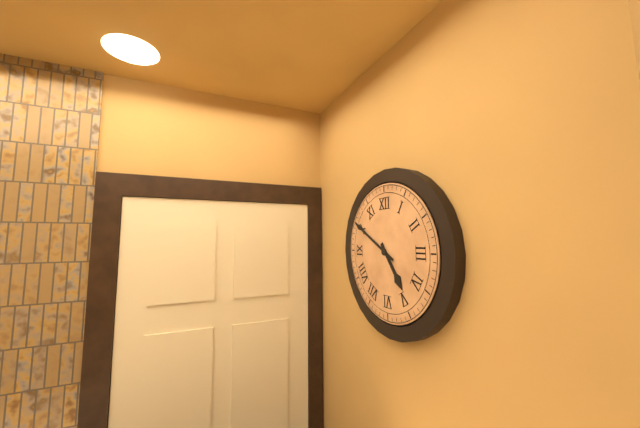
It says **4:50**
